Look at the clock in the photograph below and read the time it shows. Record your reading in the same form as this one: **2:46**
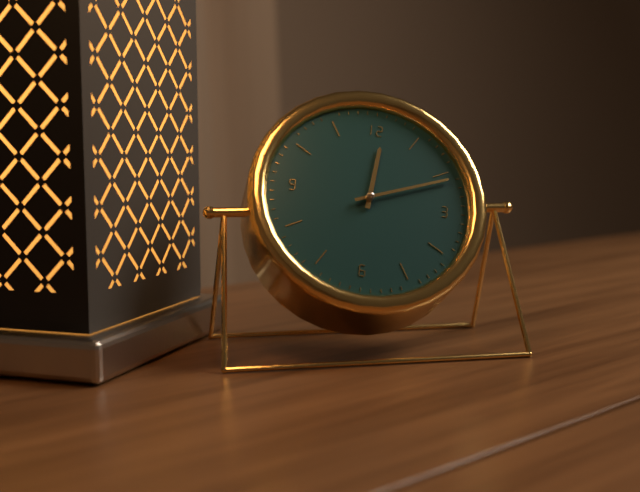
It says **12:11**
